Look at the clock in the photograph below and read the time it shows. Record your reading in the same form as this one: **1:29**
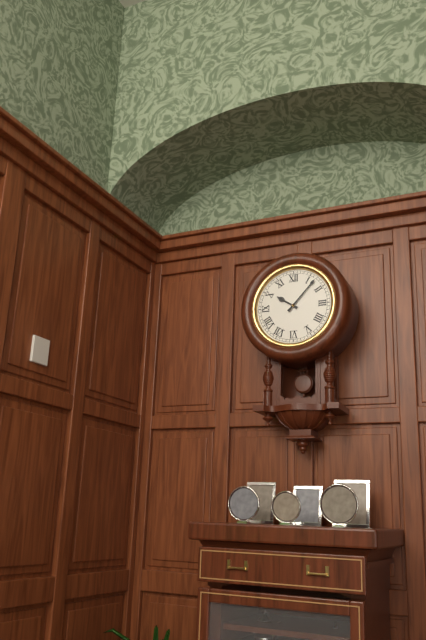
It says **10:07**
